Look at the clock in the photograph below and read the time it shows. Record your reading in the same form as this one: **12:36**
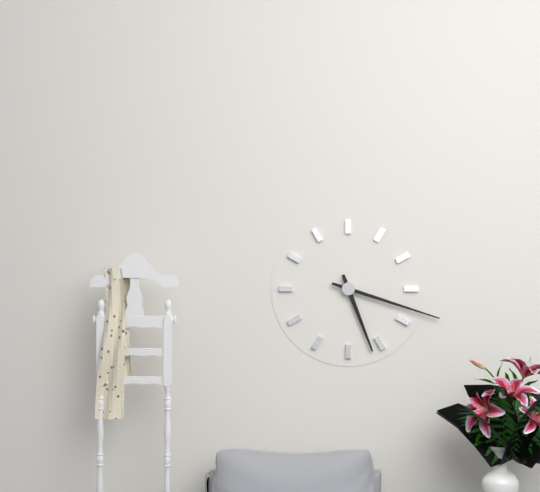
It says **5:18**
